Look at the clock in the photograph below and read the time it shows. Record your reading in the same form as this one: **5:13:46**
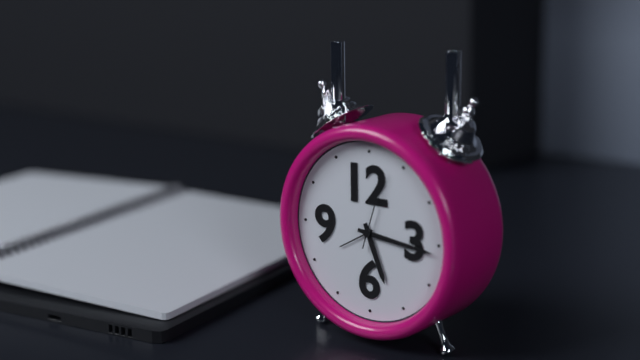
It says **5:16:03**
